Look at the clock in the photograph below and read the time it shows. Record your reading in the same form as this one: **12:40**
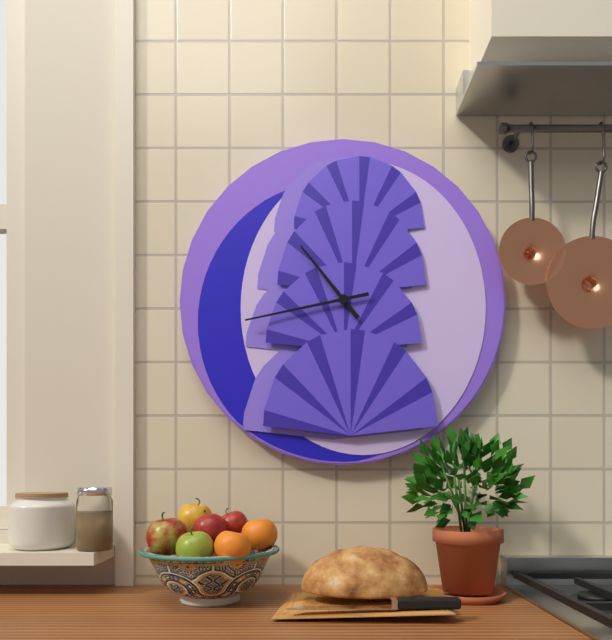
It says **10:43**
